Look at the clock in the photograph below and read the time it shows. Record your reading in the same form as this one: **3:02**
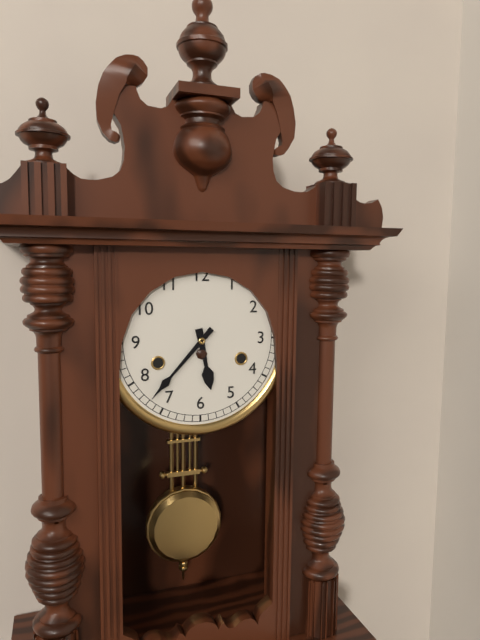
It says **5:37**
